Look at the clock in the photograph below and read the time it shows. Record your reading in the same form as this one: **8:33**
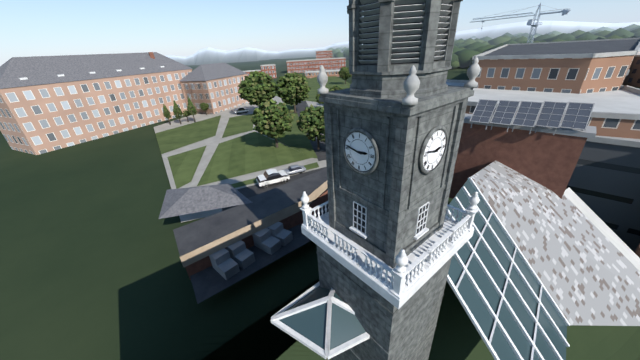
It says **2:47**
